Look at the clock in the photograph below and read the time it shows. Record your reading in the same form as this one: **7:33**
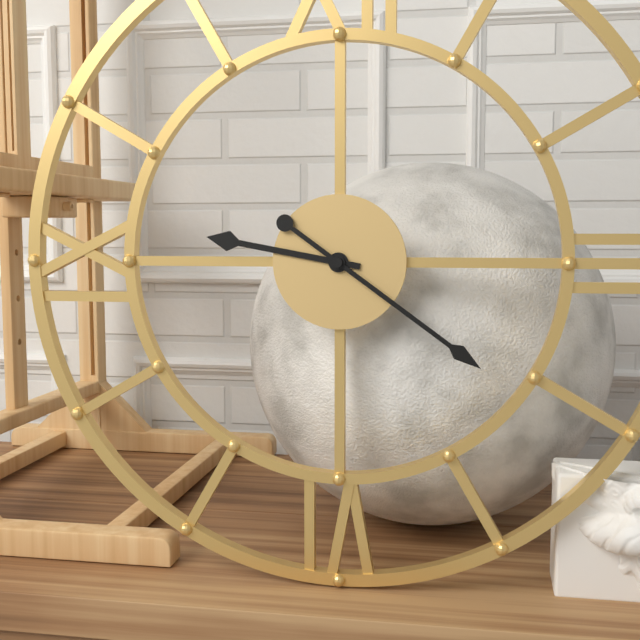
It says **9:21**
